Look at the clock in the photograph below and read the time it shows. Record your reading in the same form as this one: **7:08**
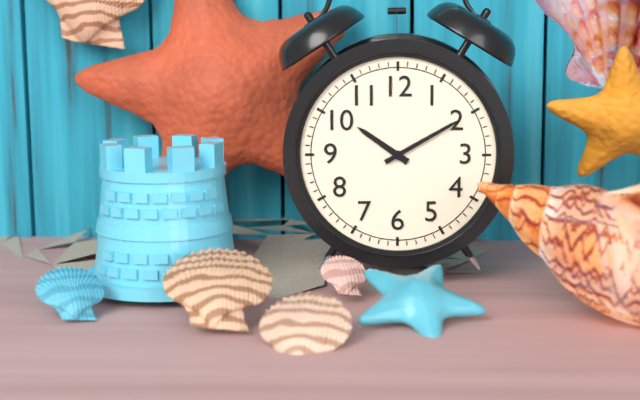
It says **10:10**
